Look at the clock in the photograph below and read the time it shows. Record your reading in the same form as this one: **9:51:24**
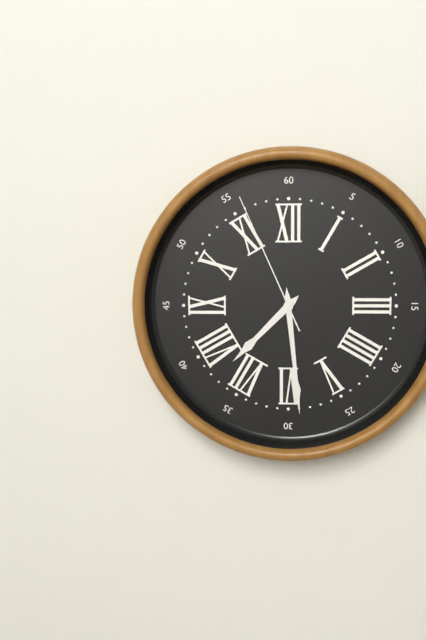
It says **7:29:56**
